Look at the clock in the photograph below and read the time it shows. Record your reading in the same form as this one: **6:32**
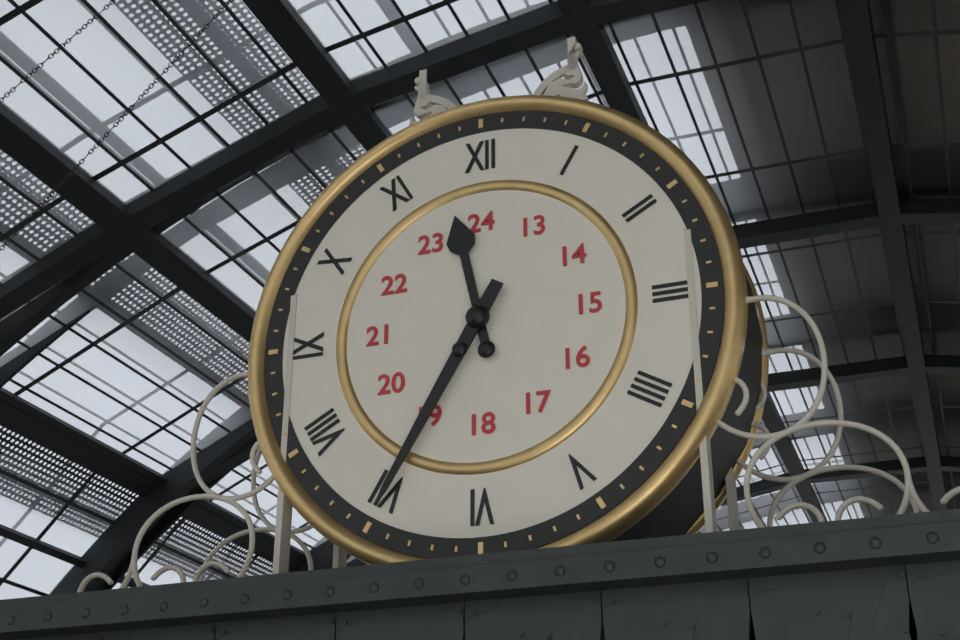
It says **11:35**
